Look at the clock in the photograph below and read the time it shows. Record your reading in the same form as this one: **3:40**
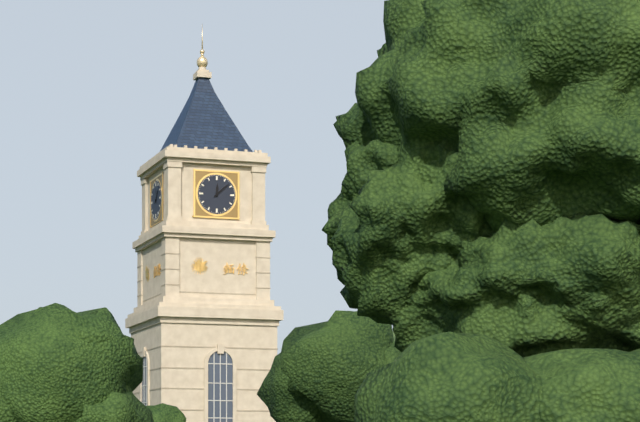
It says **12:08**
